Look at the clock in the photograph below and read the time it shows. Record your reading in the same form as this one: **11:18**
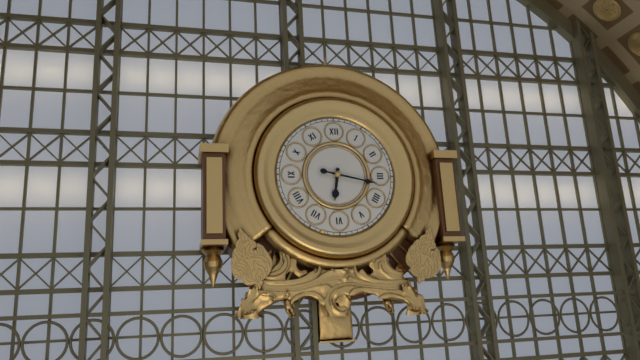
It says **6:17**
